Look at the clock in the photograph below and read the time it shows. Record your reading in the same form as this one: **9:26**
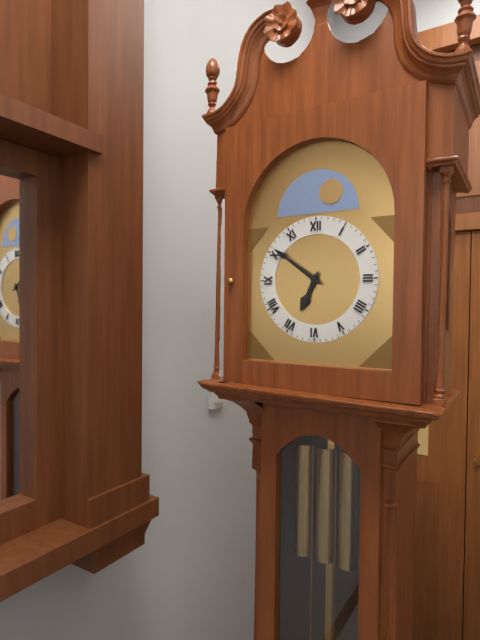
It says **6:51**
